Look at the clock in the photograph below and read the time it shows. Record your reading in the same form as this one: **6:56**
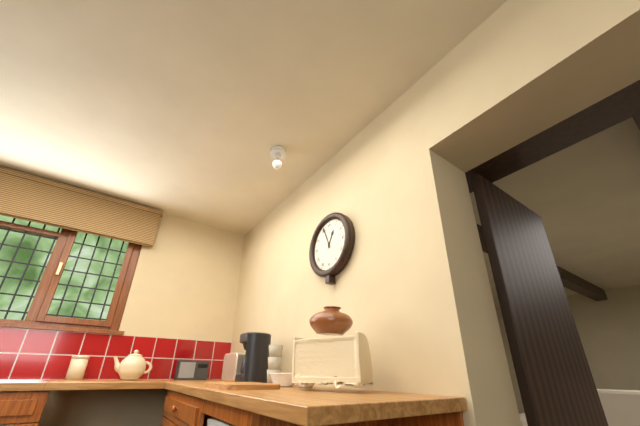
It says **12:56**
